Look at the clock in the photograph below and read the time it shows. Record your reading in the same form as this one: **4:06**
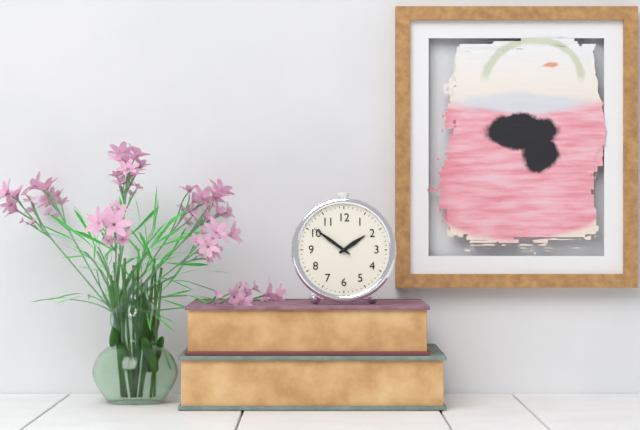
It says **1:51**
